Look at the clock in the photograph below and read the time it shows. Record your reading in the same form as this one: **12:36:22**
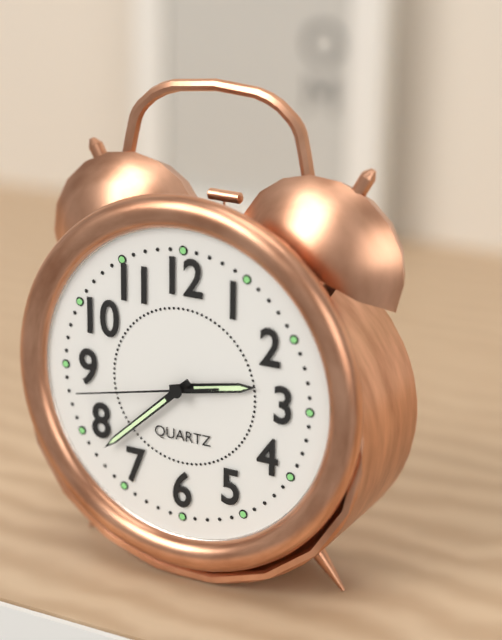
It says **2:38:43**
